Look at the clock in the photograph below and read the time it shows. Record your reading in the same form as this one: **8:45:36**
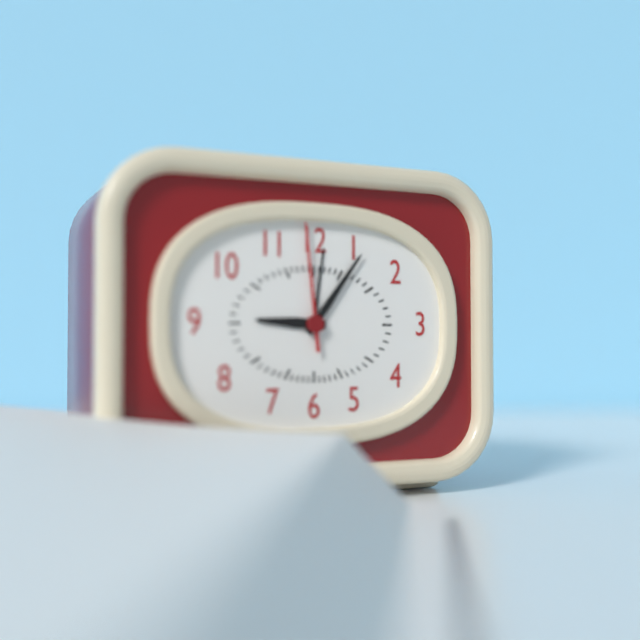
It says **9:06:59**
